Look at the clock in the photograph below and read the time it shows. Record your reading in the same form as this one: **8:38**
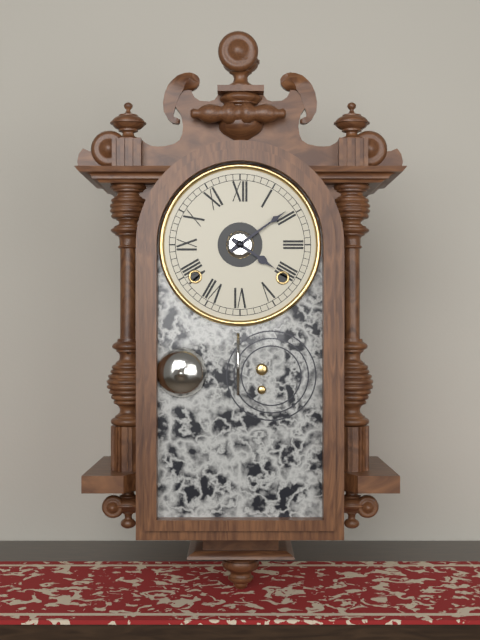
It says **4:09**
